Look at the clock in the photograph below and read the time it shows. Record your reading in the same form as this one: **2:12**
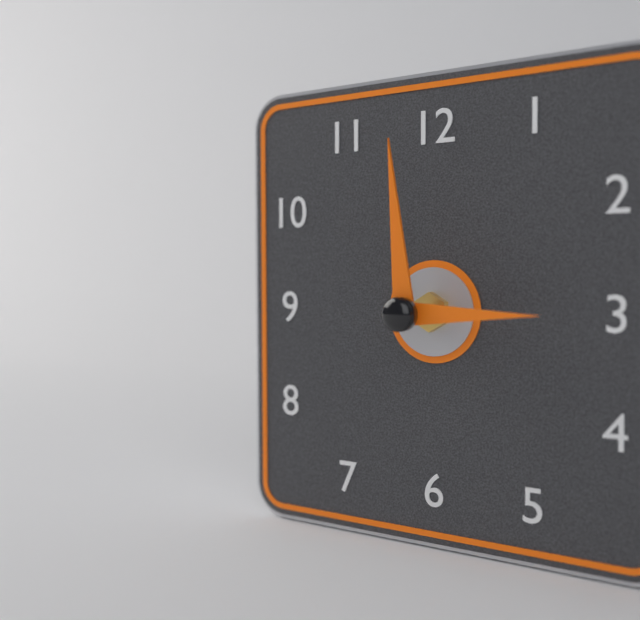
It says **2:59**
